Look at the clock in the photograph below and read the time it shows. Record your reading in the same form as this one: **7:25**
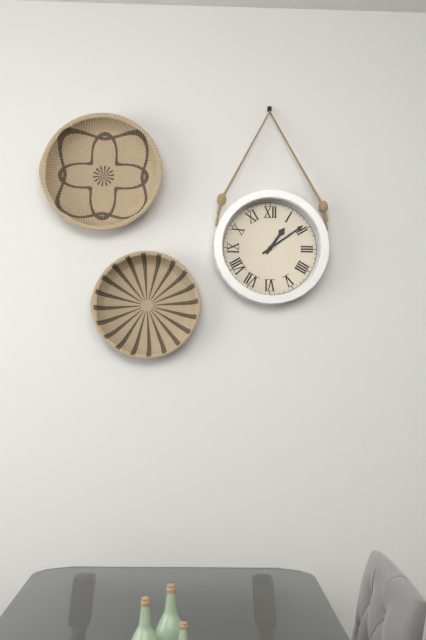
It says **1:09**
